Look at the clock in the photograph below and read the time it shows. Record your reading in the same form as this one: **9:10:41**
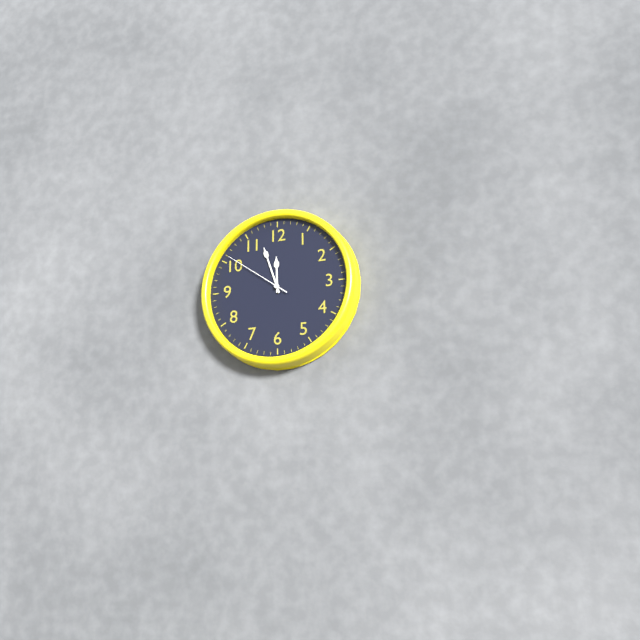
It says **11:57:51**
